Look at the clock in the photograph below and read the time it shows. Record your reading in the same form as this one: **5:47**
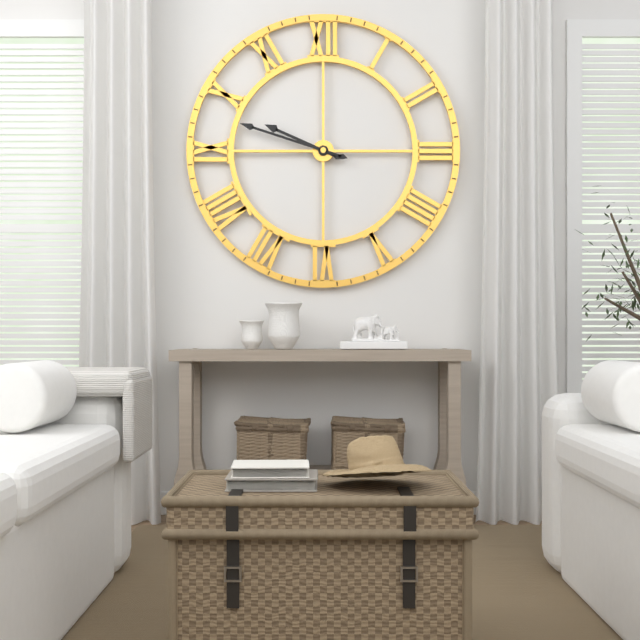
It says **9:48**
